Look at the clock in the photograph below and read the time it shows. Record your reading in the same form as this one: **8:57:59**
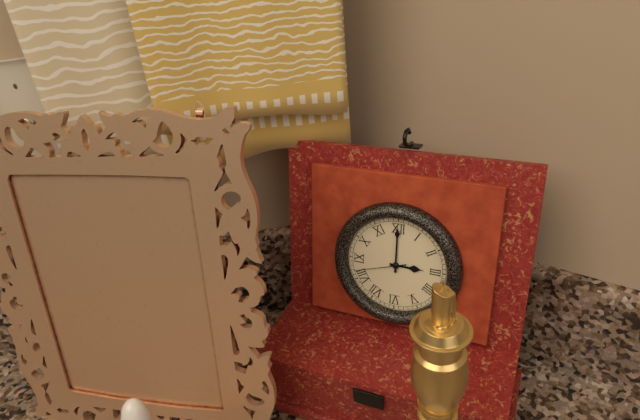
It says **3:00:42**
